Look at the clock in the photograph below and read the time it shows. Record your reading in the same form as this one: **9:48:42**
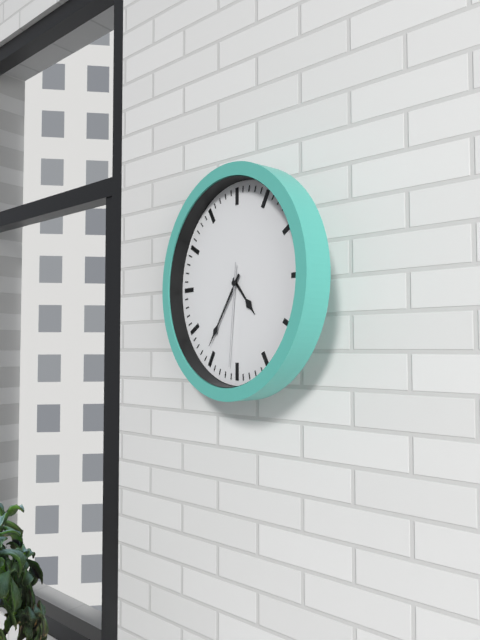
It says **4:36:31**
